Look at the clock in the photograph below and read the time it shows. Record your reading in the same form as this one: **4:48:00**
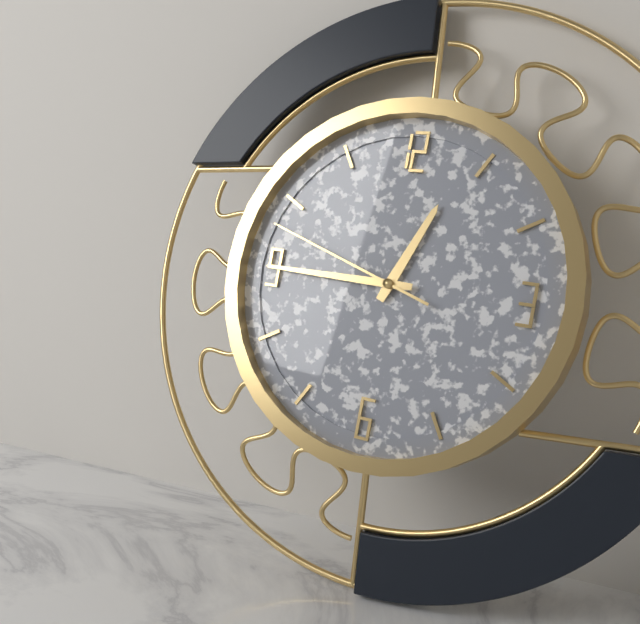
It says **12:45:48**
